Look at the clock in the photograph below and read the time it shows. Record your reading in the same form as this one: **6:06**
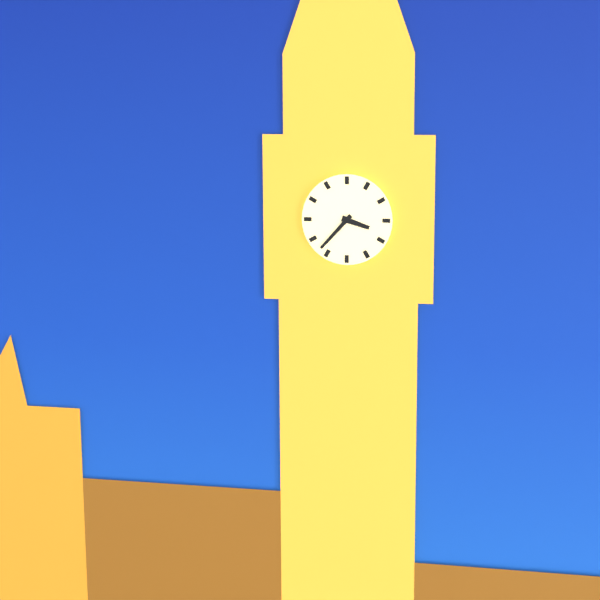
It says **3:37**
